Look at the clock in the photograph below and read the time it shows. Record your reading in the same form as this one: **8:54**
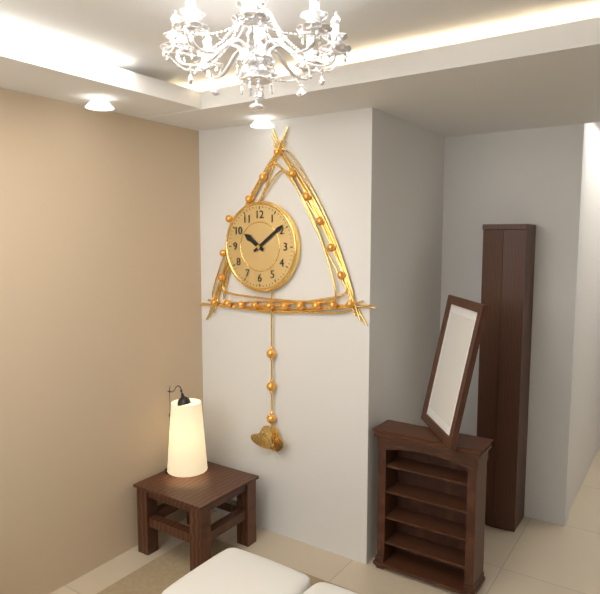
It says **10:09**
